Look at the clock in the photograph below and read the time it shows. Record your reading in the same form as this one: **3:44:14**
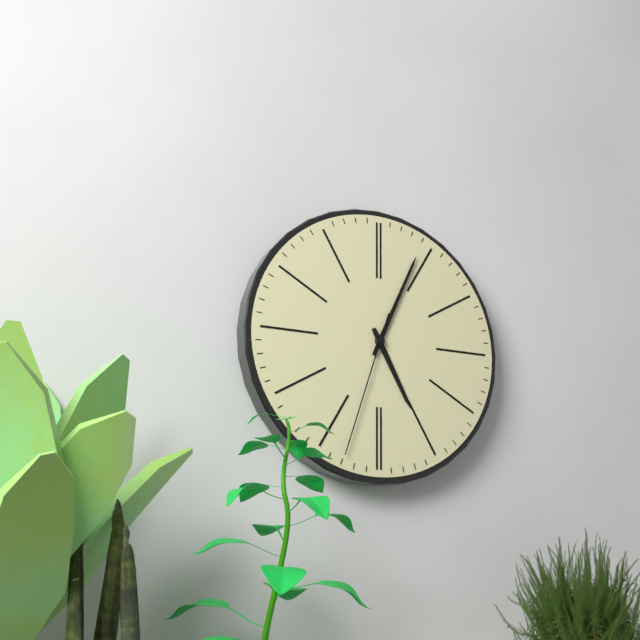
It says **5:04:33**
